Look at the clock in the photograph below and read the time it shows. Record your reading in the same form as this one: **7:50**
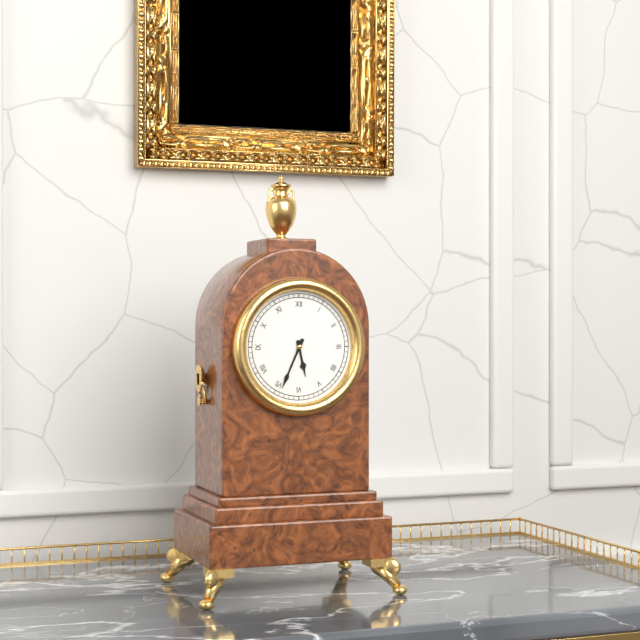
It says **5:34**
